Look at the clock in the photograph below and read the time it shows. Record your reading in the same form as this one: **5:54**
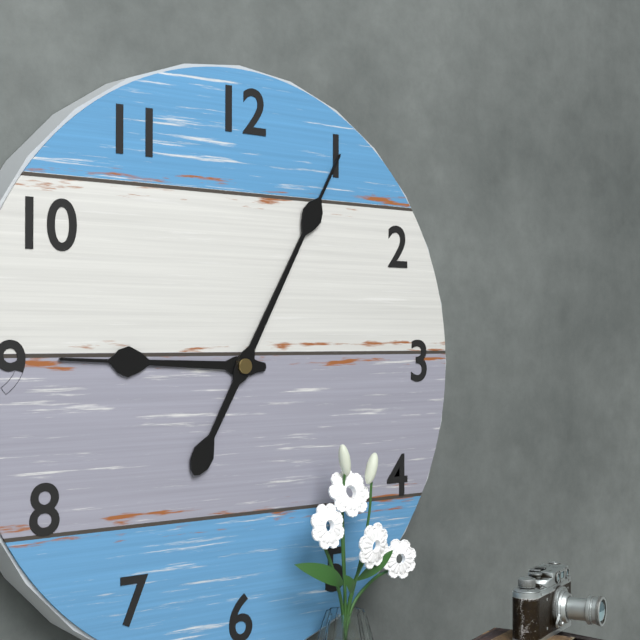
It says **9:05**
